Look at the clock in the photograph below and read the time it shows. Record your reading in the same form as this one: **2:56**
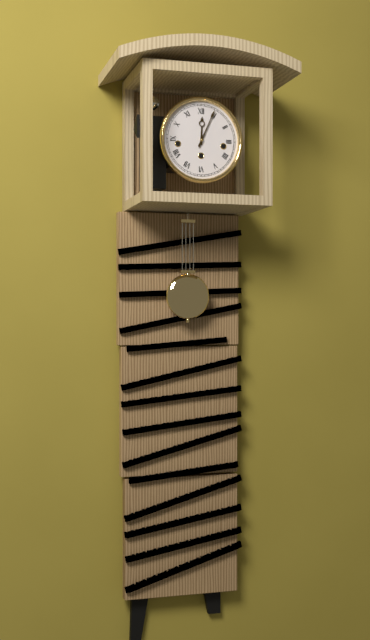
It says **12:04**
